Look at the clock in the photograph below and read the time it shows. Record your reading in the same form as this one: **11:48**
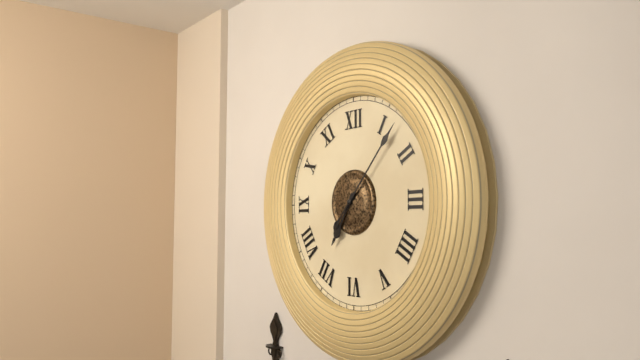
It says **7:07**
